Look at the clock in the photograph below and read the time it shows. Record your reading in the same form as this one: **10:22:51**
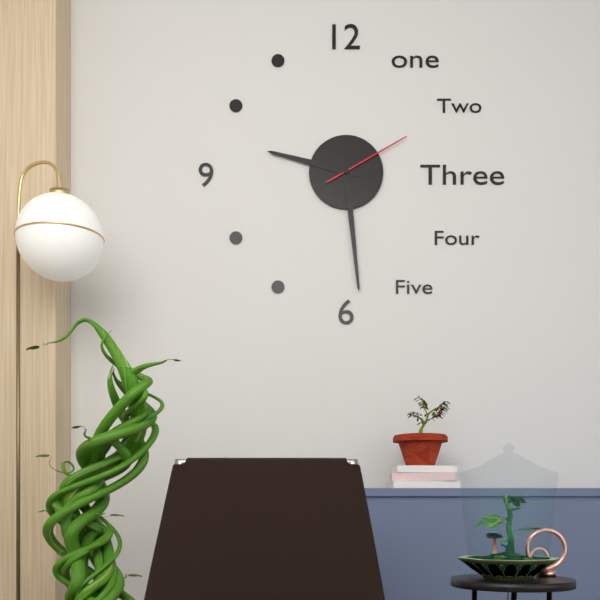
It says **9:29:10**
